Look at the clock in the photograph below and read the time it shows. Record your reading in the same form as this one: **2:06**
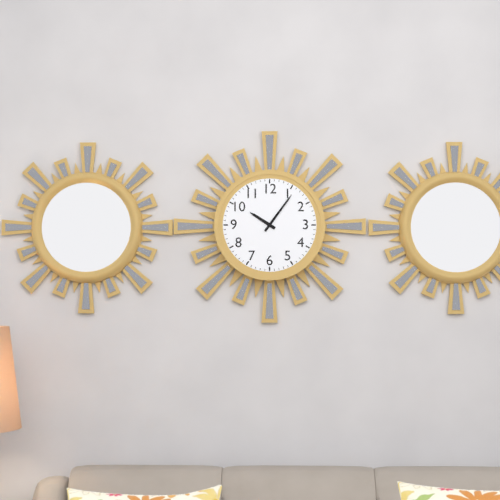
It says **10:06**
